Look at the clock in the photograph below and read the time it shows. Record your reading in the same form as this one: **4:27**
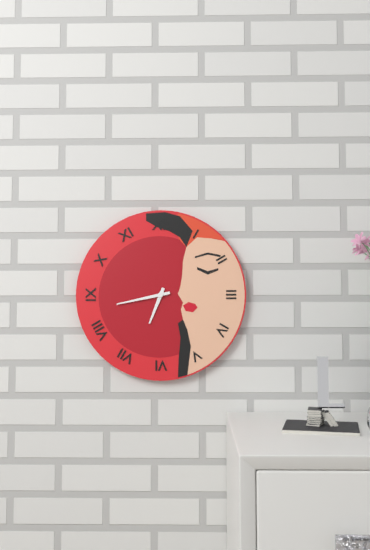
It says **6:43**
